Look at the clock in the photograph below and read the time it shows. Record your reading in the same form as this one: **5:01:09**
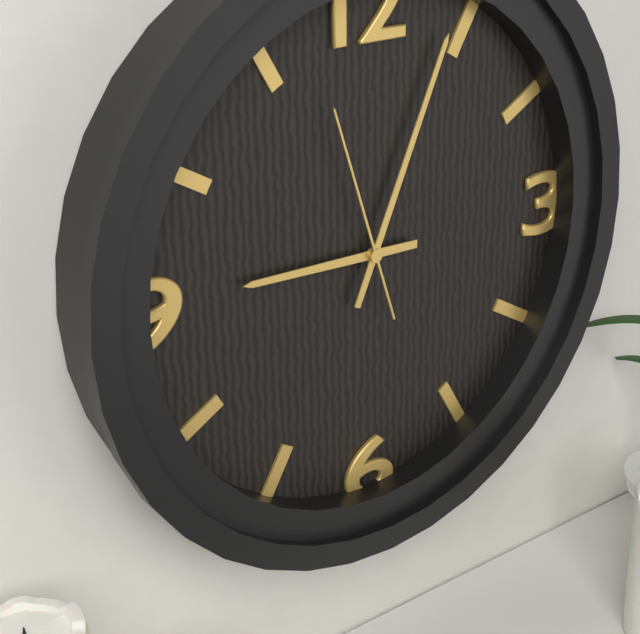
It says **9:04:57**
